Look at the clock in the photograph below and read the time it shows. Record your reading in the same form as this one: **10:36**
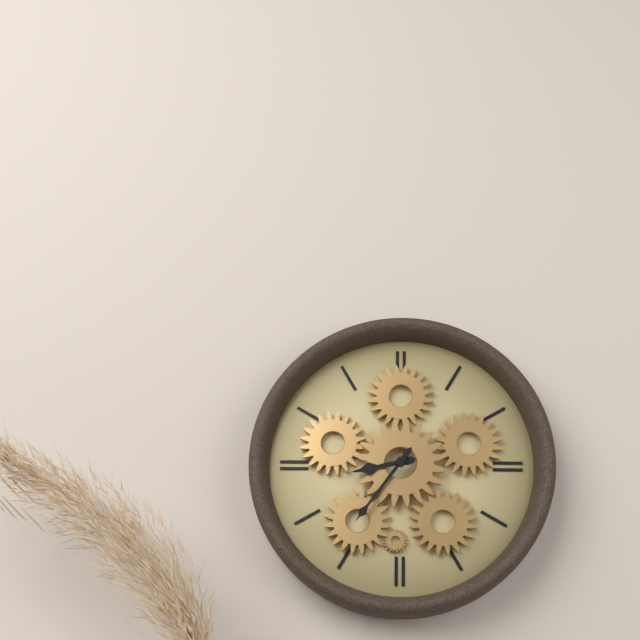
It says **8:36**
